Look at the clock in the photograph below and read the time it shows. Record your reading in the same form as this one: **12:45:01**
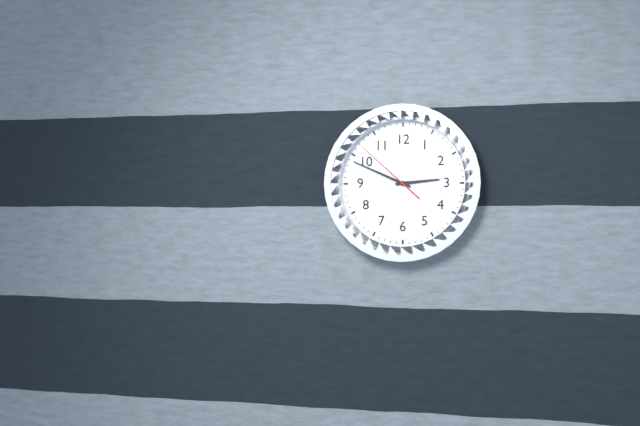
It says **2:49:52**
